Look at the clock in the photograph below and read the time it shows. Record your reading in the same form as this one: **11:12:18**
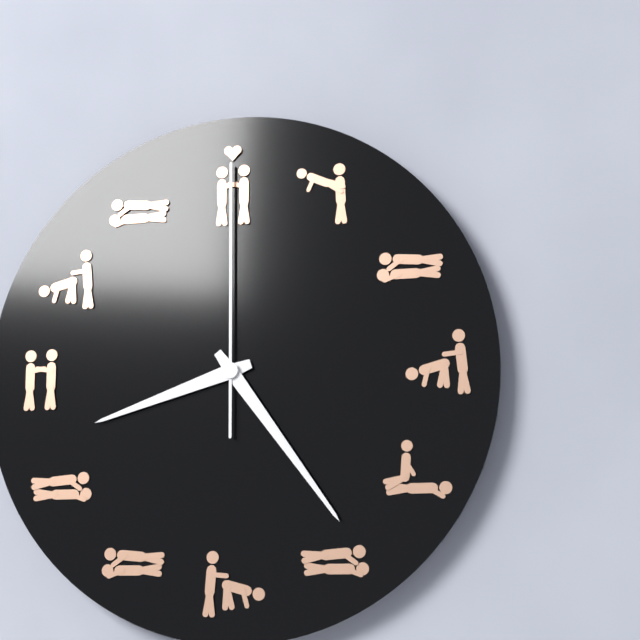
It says **8:24:00**
